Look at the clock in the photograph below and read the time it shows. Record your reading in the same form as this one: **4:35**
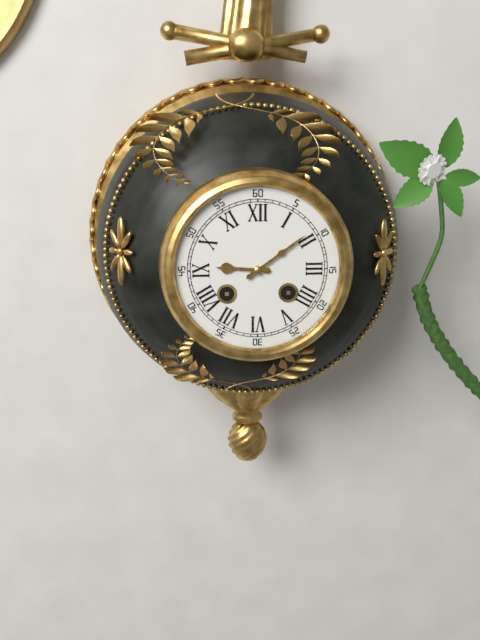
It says **9:09**
